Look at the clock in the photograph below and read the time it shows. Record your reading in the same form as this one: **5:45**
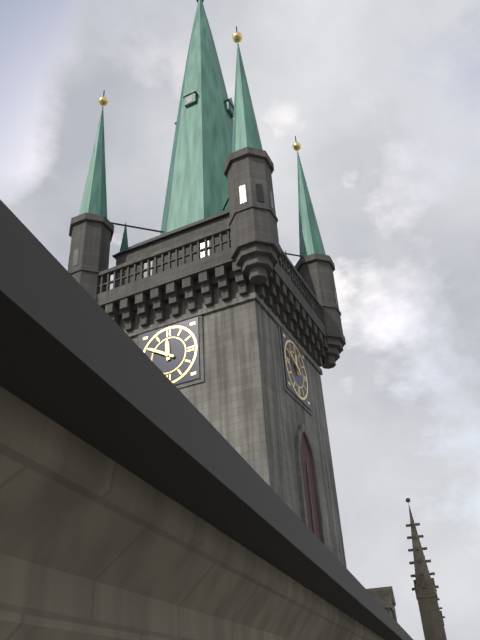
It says **11:50**
